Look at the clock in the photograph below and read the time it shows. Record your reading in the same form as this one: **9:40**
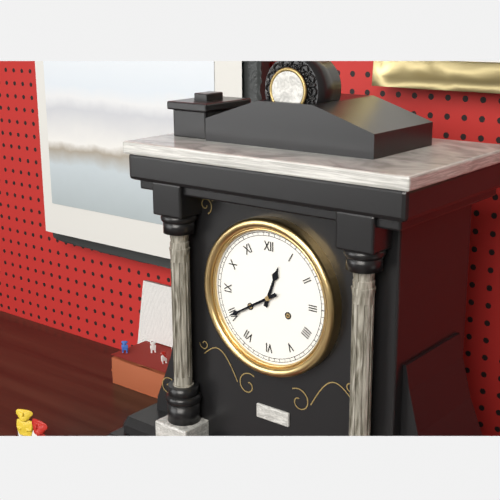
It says **12:40**
